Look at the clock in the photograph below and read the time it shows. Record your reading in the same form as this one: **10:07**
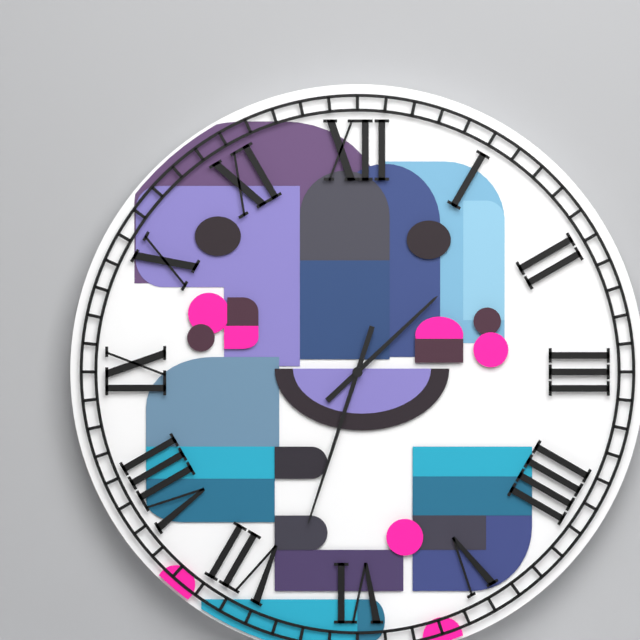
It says **1:33**
